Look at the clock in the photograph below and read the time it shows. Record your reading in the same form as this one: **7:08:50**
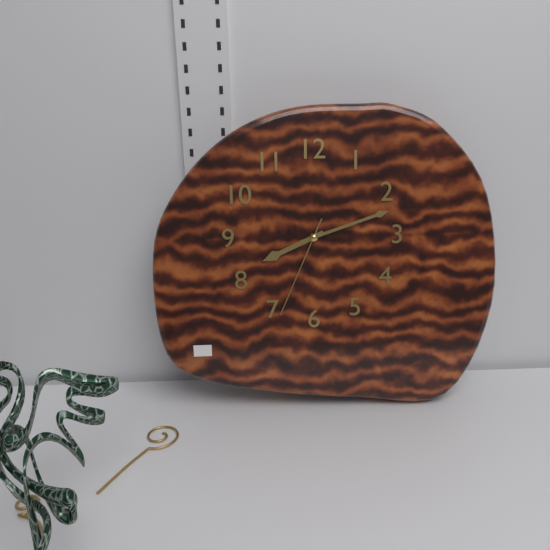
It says **8:12:34**
